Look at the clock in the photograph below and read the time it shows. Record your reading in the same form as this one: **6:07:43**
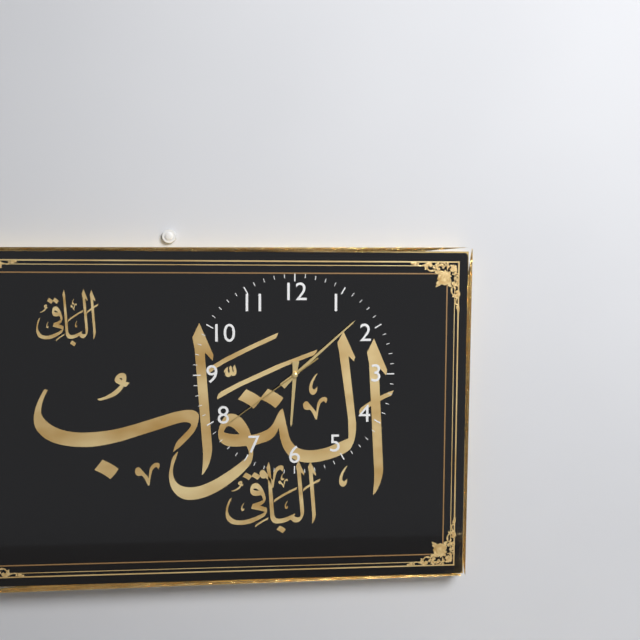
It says **6:08:39**
